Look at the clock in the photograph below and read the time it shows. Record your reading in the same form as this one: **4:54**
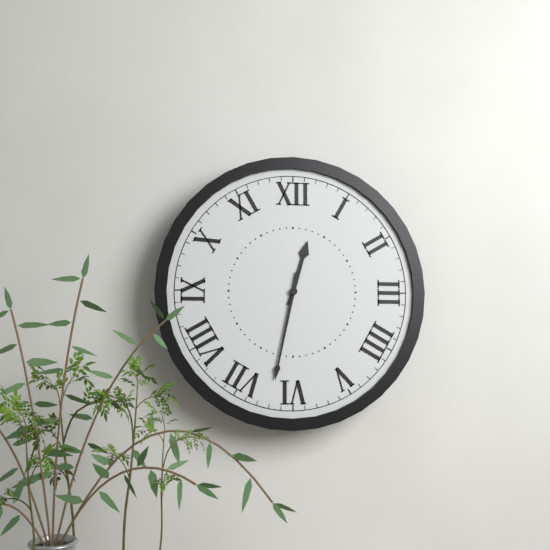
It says **12:32**
